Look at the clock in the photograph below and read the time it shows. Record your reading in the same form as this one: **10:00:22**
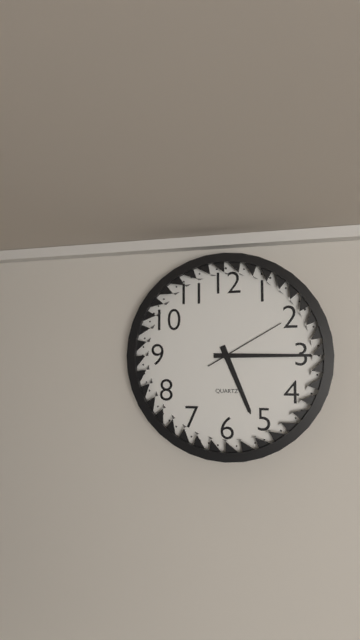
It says **5:15:10**
